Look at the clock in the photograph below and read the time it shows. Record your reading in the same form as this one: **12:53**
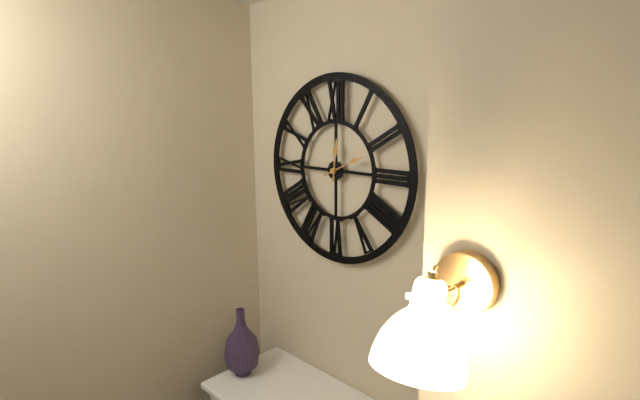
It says **12:11**
